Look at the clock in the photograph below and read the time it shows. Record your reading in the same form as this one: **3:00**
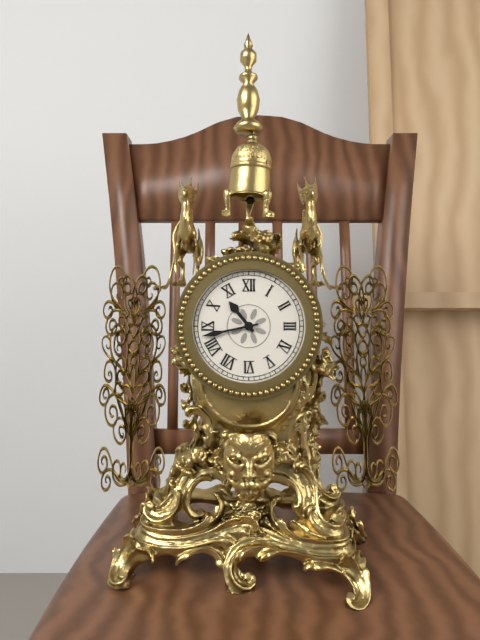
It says **10:43**
